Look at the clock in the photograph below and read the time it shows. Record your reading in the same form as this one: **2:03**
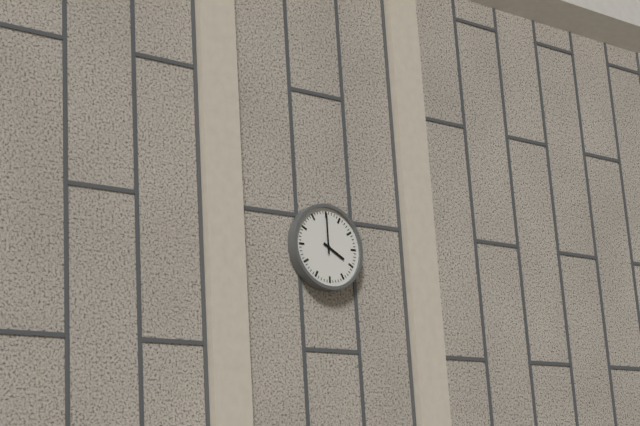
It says **4:00**
